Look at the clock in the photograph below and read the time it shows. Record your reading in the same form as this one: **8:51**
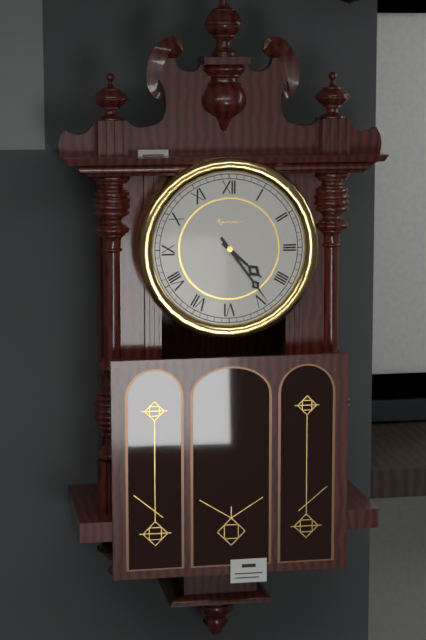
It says **4:24**
